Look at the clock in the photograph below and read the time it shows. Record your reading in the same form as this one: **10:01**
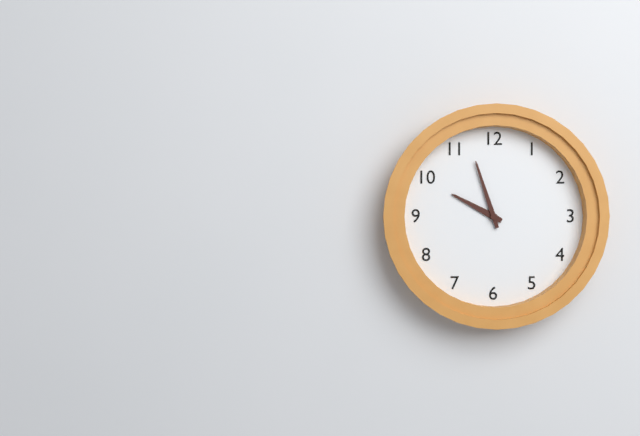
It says **9:57**
